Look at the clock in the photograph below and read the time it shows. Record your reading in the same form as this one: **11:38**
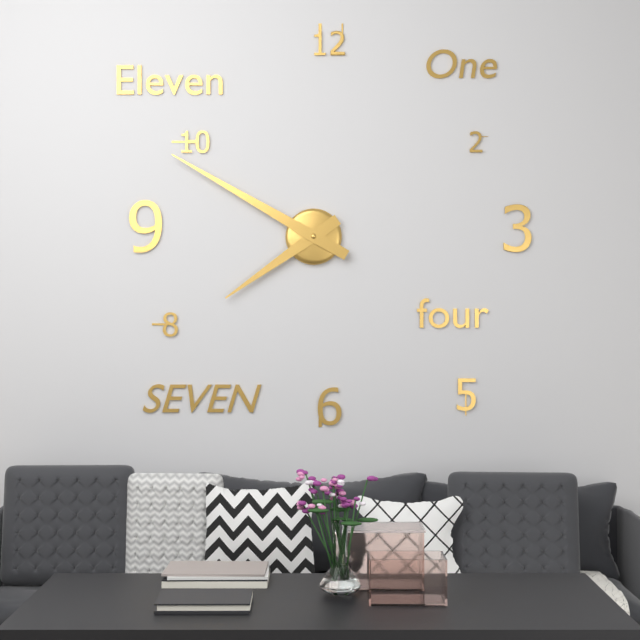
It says **7:50**
